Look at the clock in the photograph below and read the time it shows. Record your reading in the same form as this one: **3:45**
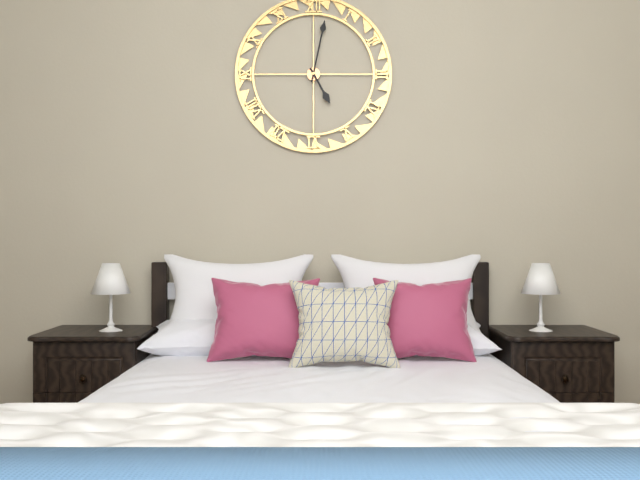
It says **5:02**
